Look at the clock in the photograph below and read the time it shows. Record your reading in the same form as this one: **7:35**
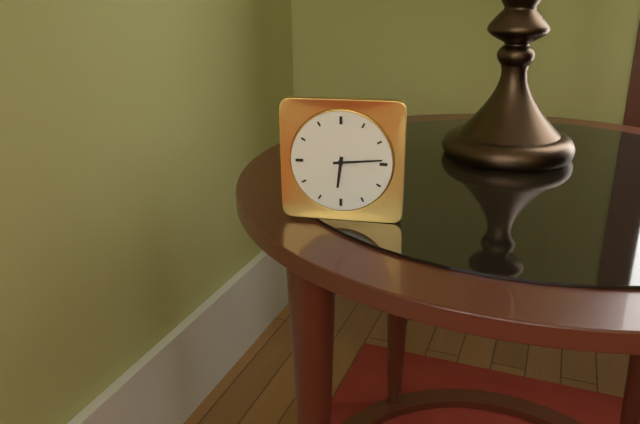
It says **6:14**
